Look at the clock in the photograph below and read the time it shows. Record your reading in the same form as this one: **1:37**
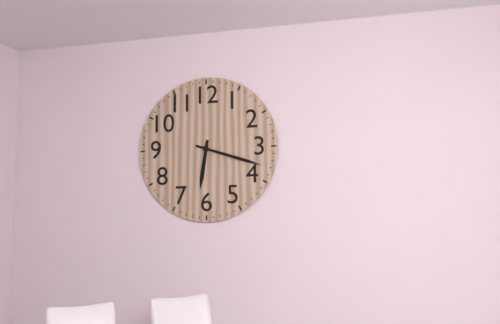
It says **6:18**
